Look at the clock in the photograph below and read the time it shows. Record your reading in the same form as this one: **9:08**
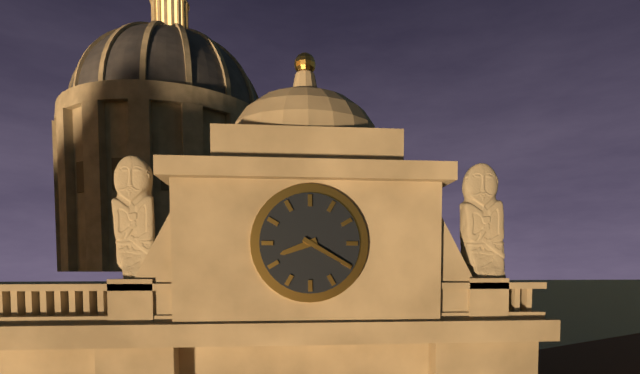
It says **8:20**
